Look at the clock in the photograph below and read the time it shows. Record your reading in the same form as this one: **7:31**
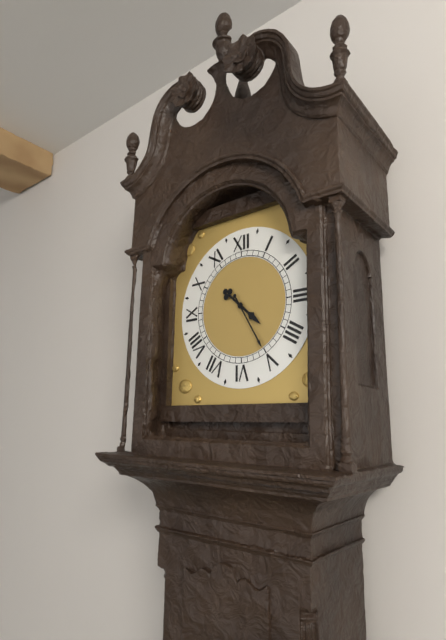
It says **4:25**
